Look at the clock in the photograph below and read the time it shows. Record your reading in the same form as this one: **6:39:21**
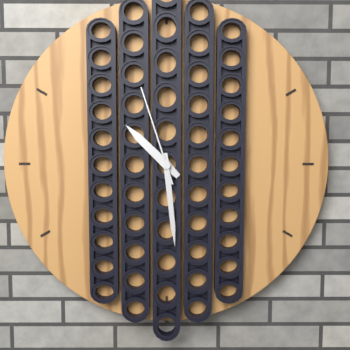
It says **10:29:57**
